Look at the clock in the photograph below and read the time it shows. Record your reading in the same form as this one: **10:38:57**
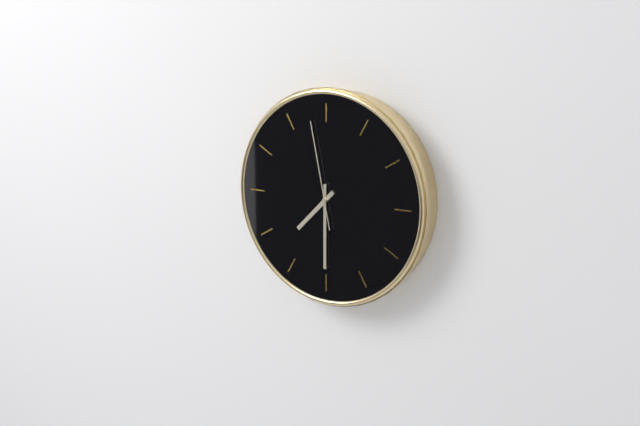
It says **7:30:58**
